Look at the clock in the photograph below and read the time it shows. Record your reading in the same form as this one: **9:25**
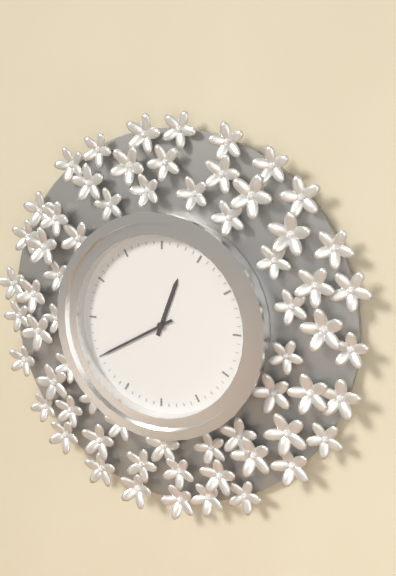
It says **12:40**
